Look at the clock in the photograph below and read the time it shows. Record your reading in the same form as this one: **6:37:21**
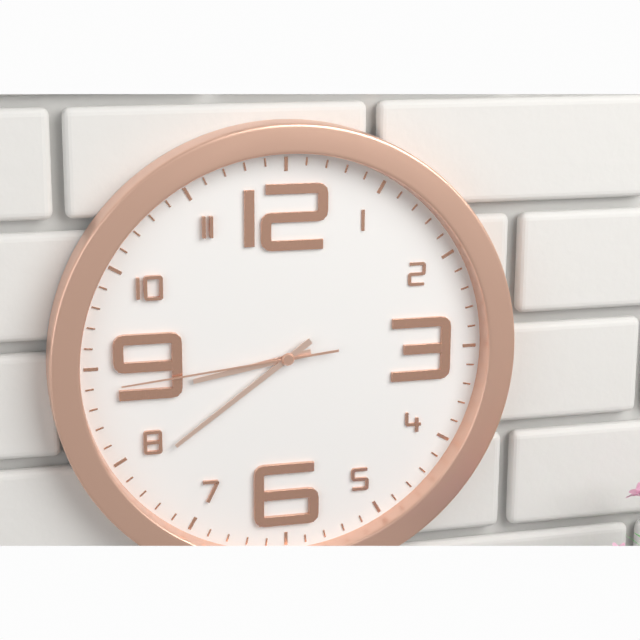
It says **8:39:44**
